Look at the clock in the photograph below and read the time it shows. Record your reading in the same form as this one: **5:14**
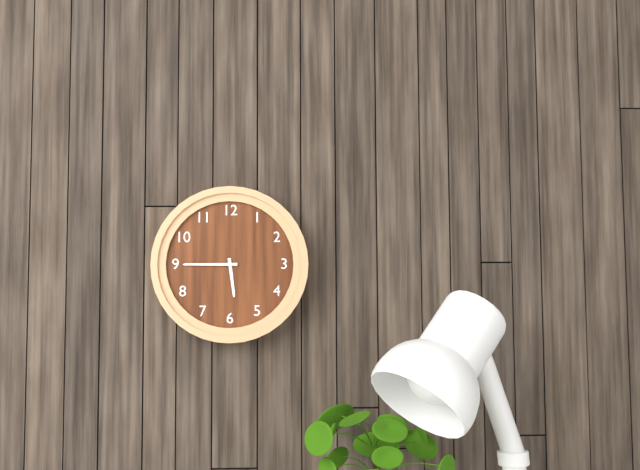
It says **5:45**
